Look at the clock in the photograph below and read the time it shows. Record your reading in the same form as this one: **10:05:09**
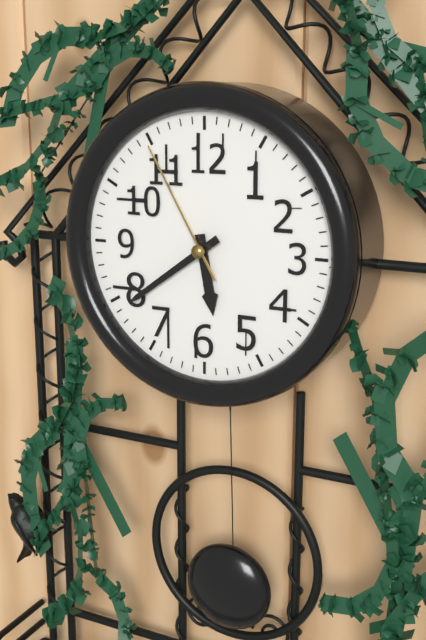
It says **5:39:55**
